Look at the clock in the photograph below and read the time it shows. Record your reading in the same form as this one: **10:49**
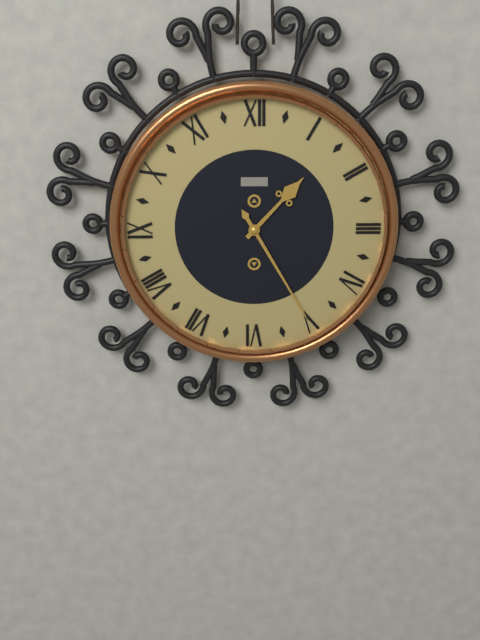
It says **1:25**
